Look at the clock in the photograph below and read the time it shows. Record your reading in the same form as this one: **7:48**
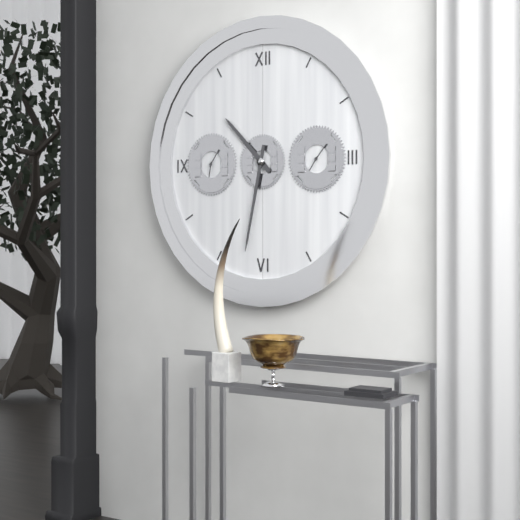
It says **10:32**
